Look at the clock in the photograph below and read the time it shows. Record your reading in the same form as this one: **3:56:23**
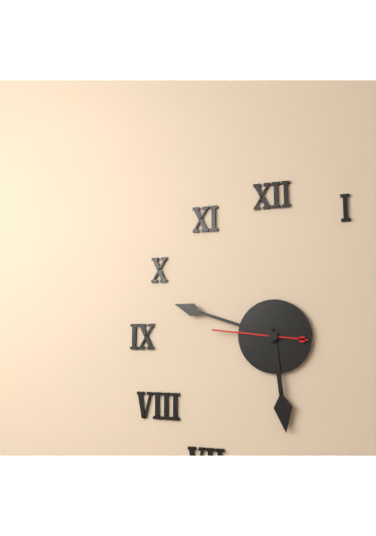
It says **5:48:46**
